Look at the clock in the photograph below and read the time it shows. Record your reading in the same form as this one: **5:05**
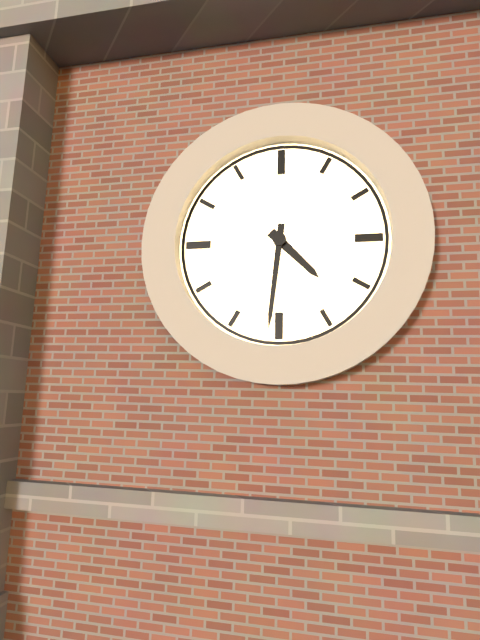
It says **4:31**
